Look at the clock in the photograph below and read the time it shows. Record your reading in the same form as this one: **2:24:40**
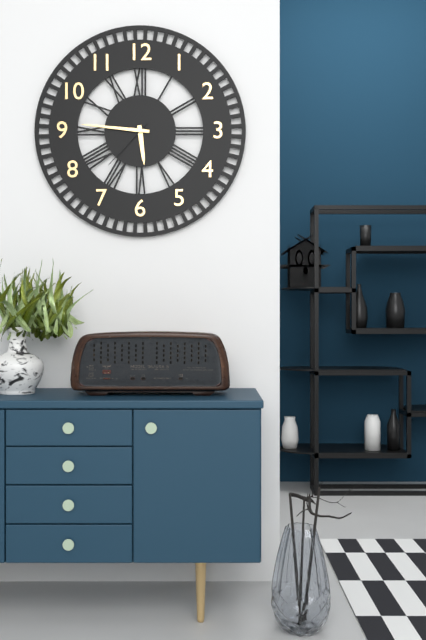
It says **5:46:37**
